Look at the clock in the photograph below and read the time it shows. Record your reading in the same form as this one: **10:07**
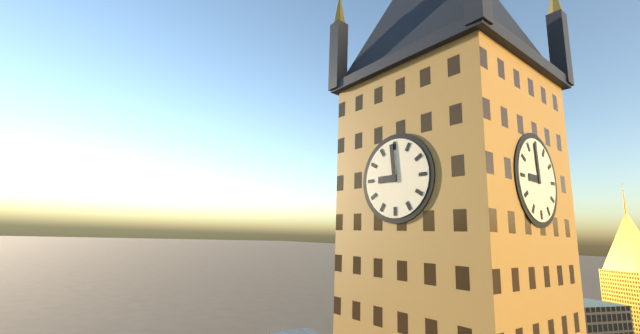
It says **8:59**
